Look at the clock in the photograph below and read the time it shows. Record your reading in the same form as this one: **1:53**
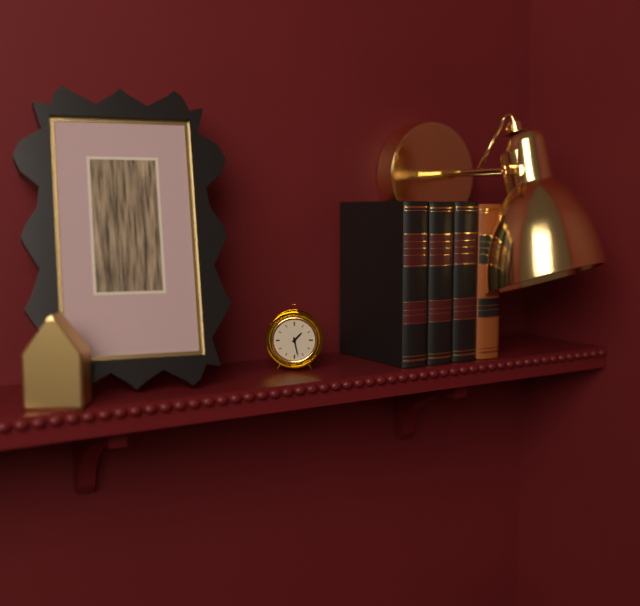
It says **1:28**
